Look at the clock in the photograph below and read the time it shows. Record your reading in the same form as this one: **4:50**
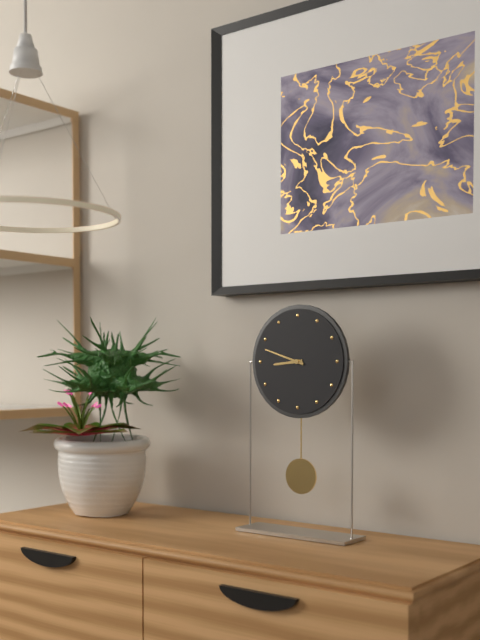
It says **8:48**
